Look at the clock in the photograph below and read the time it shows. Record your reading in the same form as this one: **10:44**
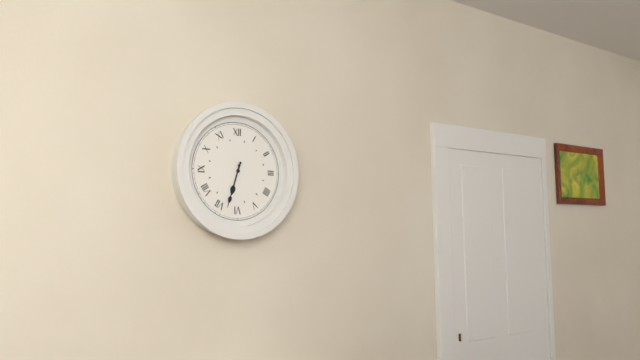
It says **6:33**
